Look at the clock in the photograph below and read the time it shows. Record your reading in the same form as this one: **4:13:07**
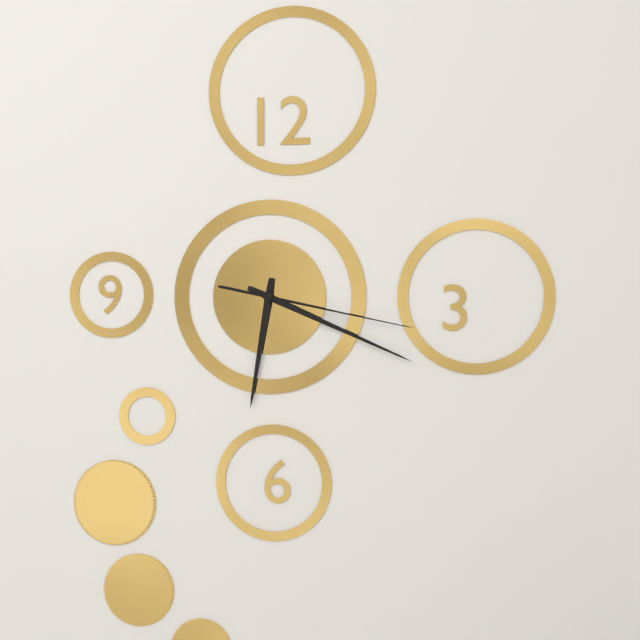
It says **6:19:17**
